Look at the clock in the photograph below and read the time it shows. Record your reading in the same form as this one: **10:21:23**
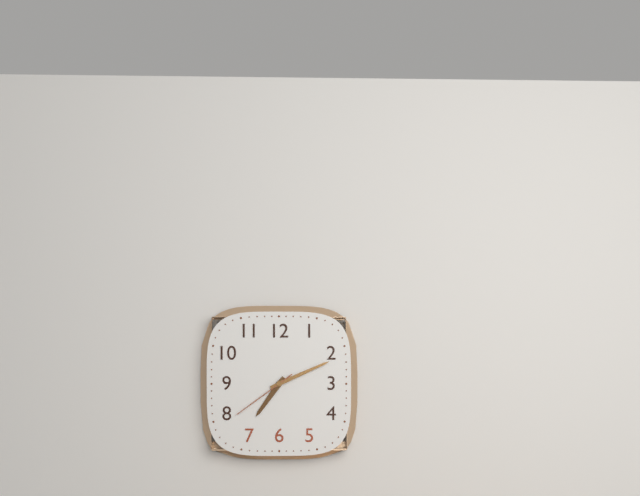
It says **7:11:39**
